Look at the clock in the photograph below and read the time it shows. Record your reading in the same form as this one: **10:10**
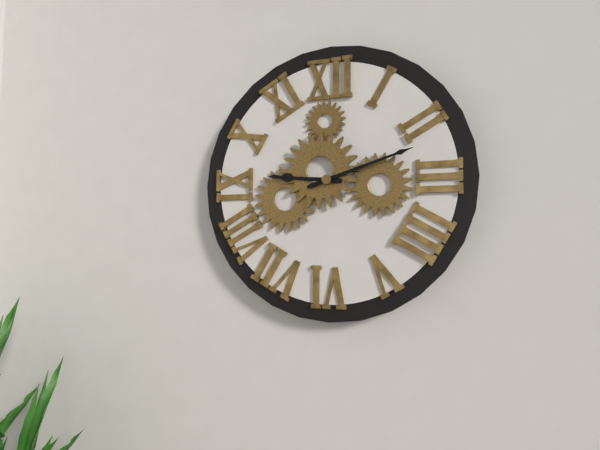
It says **9:12**
